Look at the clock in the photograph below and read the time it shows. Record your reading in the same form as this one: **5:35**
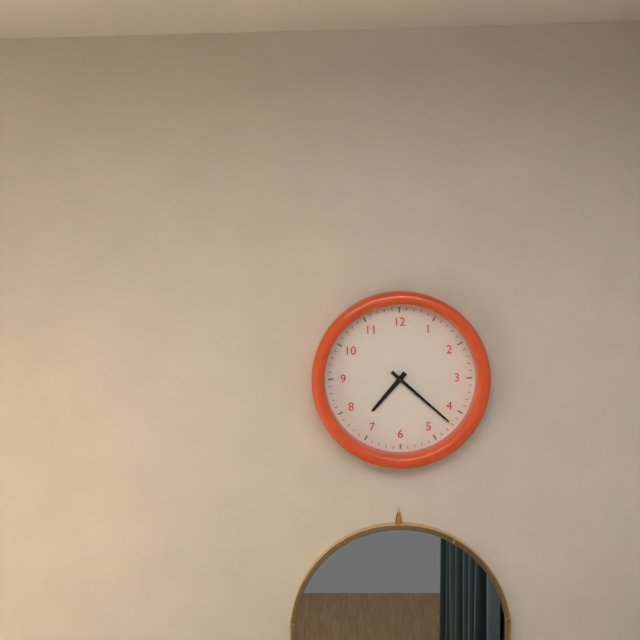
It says **7:22**
